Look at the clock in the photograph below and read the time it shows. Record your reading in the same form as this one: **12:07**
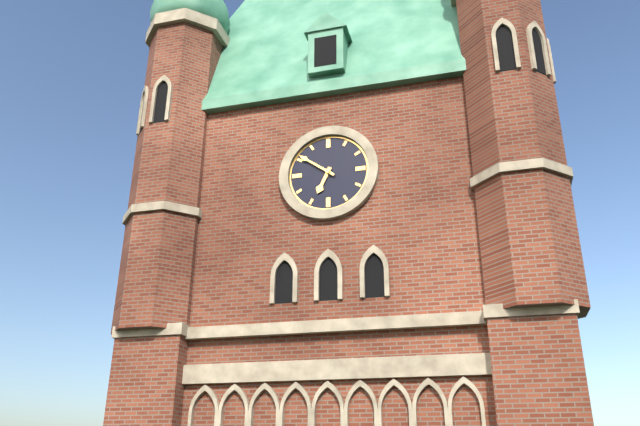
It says **6:51**
